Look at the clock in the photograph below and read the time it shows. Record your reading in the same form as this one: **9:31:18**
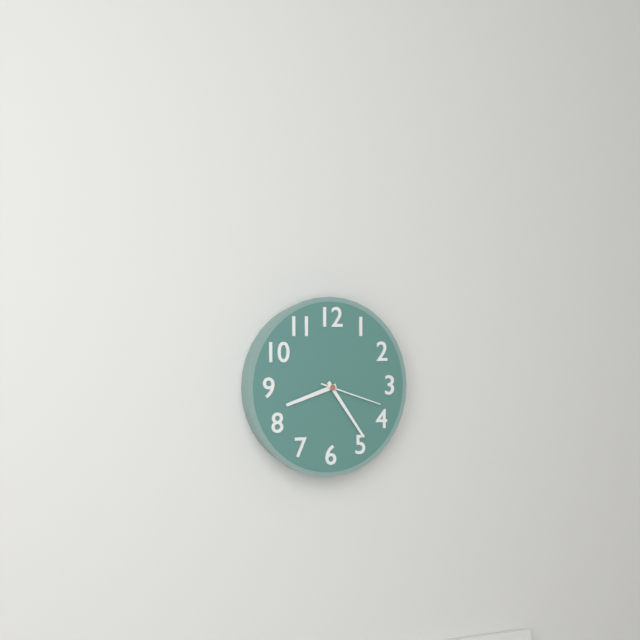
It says **8:24:18**
